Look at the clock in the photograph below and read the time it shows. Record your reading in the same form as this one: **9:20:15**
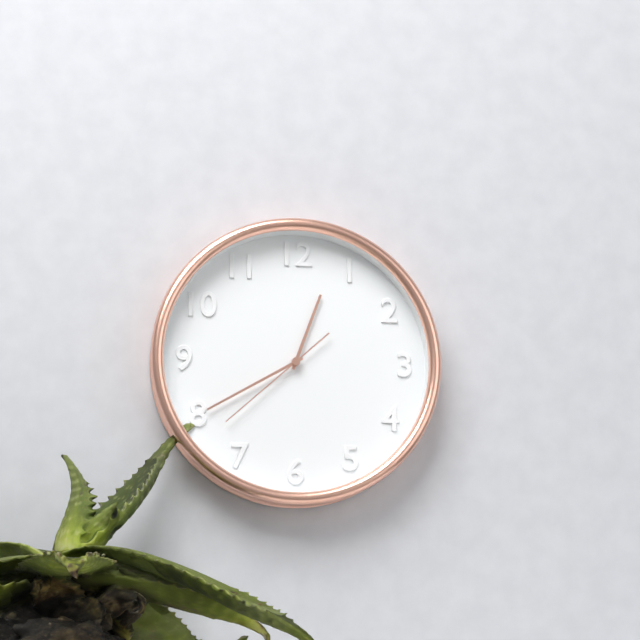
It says **12:40:38**
